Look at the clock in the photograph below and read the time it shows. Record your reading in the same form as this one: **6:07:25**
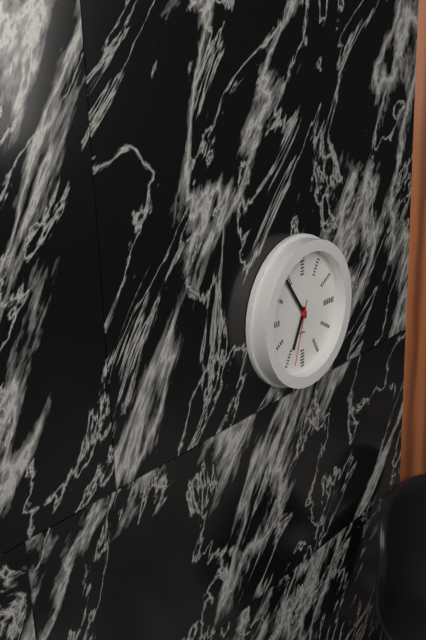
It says **6:54:33**
